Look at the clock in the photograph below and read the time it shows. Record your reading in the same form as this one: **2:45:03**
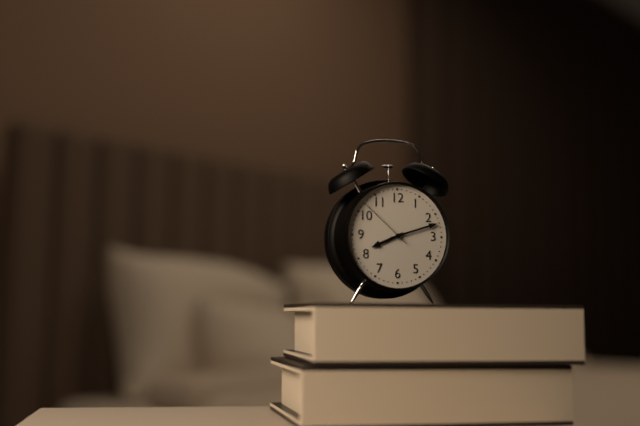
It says **8:12:52**
